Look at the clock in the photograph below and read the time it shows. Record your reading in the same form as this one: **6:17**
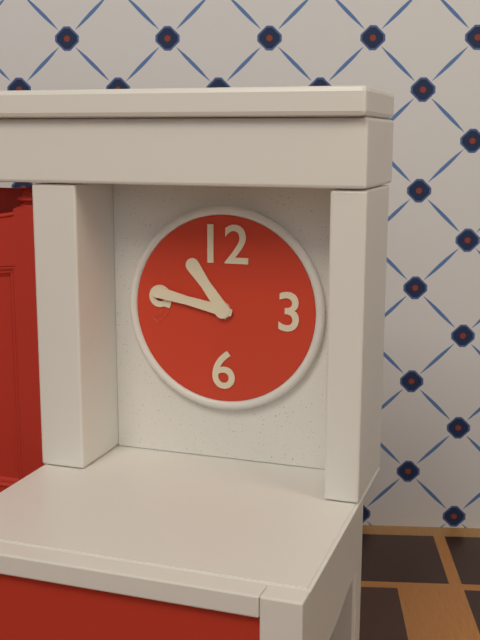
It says **10:47**
